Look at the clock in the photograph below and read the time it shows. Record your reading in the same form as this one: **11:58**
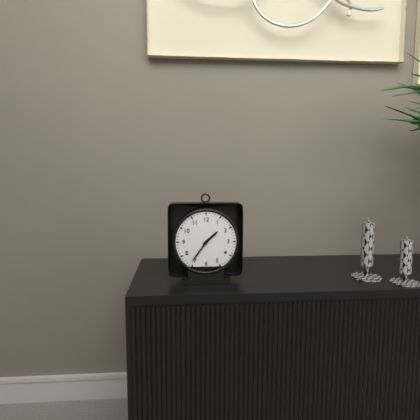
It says **1:36**
